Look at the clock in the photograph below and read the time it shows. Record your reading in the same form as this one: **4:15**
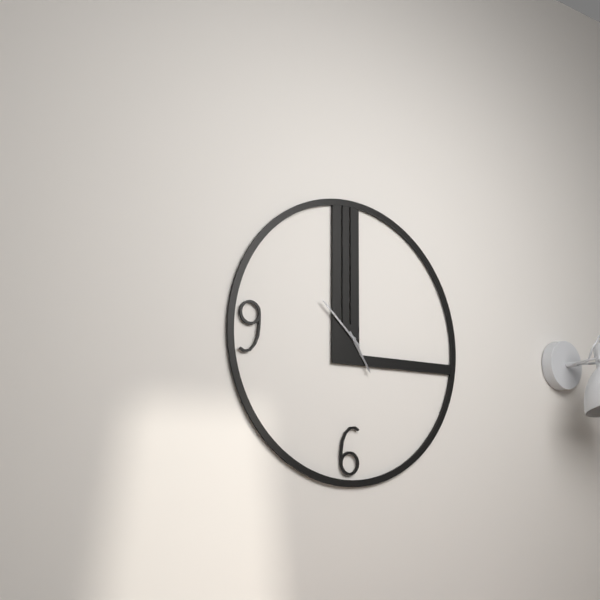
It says **4:52**
